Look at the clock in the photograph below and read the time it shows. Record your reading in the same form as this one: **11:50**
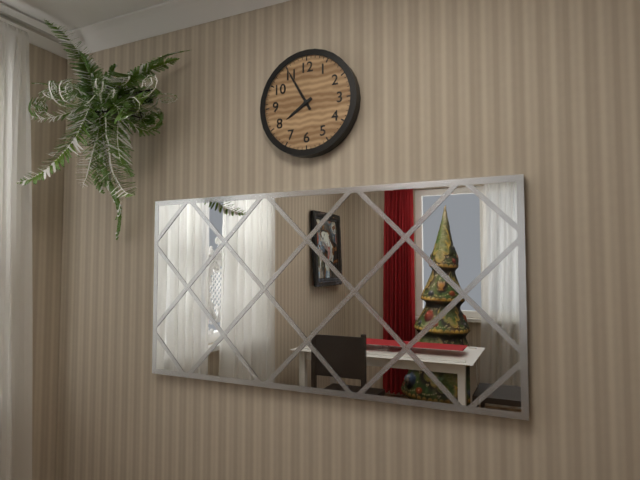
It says **7:55**
